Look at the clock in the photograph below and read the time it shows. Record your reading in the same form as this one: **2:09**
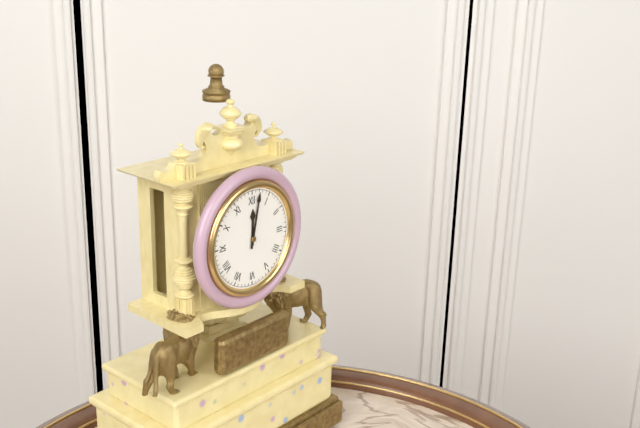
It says **12:02**
